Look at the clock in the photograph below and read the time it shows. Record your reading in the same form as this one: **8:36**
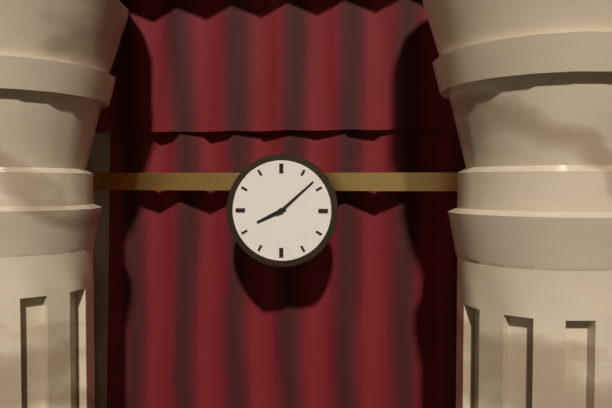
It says **8:08**
